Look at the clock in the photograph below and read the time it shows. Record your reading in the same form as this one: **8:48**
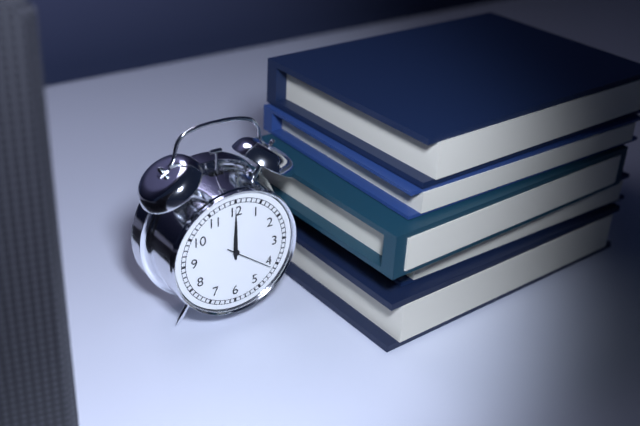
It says **12:00**
